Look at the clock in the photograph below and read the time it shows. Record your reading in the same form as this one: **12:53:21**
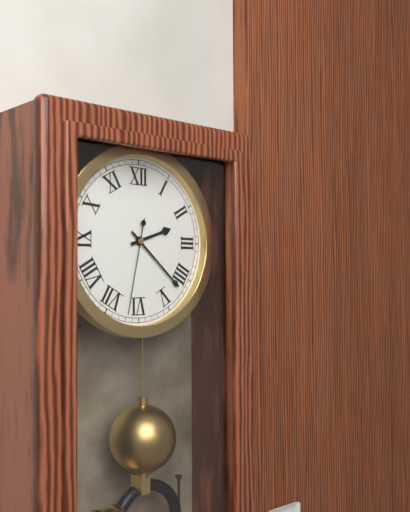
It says **2:22:32**
